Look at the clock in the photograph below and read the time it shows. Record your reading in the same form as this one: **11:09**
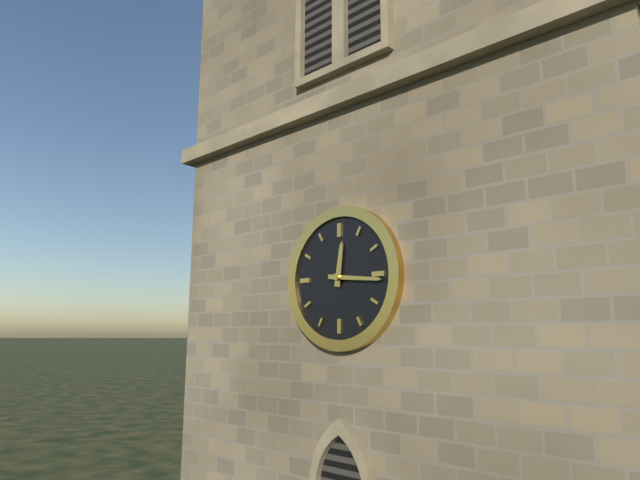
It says **12:16**
